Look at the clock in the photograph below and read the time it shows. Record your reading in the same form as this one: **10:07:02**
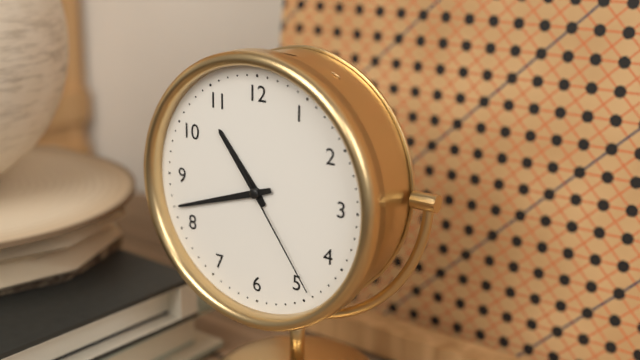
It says **10:42:24**
